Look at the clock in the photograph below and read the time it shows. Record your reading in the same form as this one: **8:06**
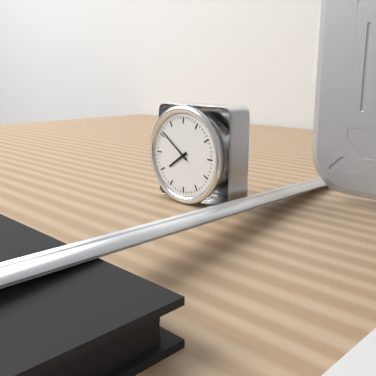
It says **7:51**
